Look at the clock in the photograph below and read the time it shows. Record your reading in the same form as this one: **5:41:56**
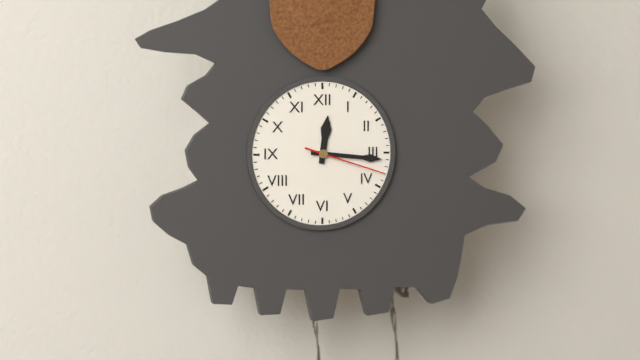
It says **12:16:18**
